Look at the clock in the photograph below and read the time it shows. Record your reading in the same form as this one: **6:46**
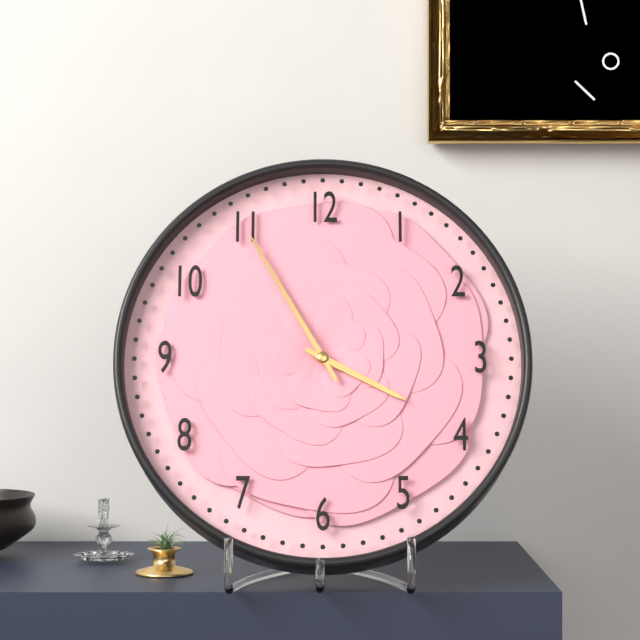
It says **3:55**
